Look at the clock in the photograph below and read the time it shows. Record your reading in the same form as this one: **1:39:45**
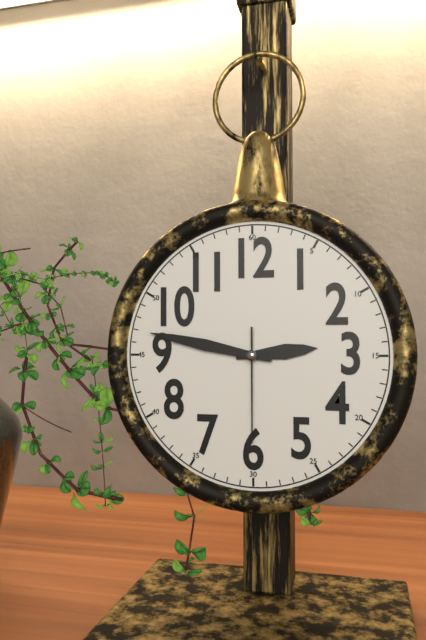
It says **2:47:30**
